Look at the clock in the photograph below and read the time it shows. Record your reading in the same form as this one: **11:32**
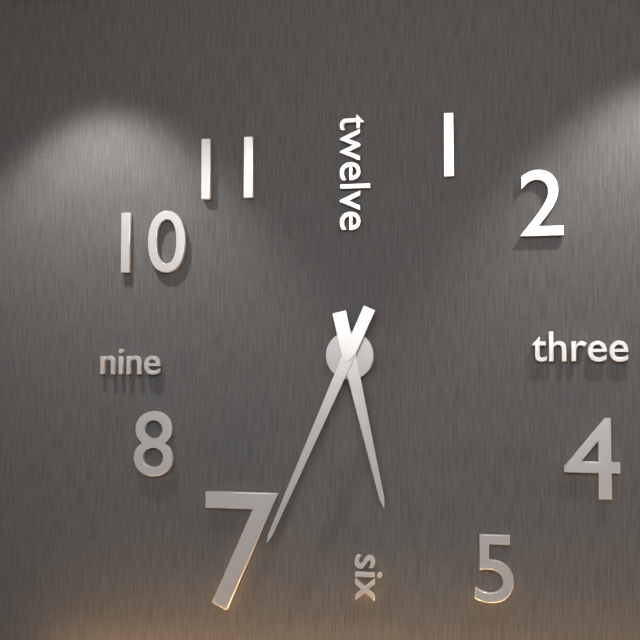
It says **5:34**
